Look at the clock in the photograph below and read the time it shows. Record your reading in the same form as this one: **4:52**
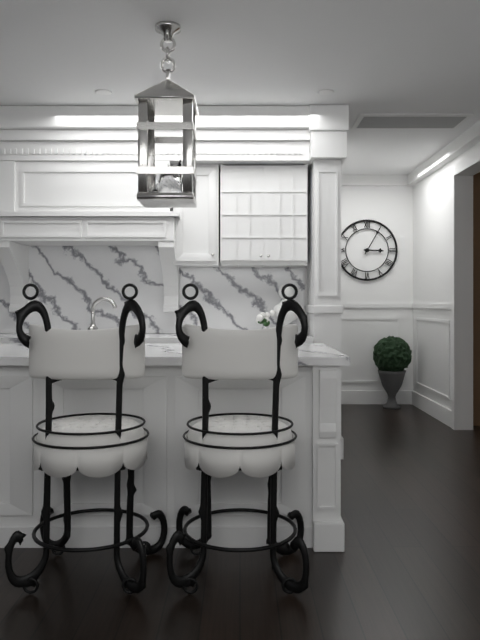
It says **3:05**
